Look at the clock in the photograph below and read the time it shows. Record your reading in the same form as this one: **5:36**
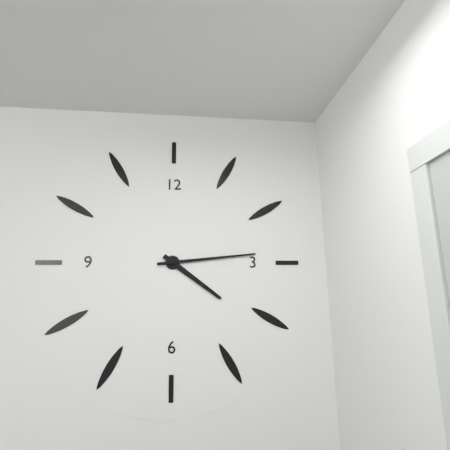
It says **4:14**
